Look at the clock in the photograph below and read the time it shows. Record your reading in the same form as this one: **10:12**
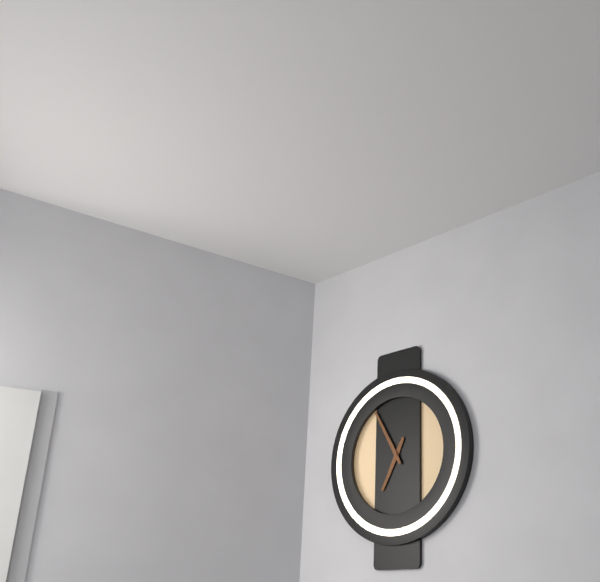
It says **6:55**
